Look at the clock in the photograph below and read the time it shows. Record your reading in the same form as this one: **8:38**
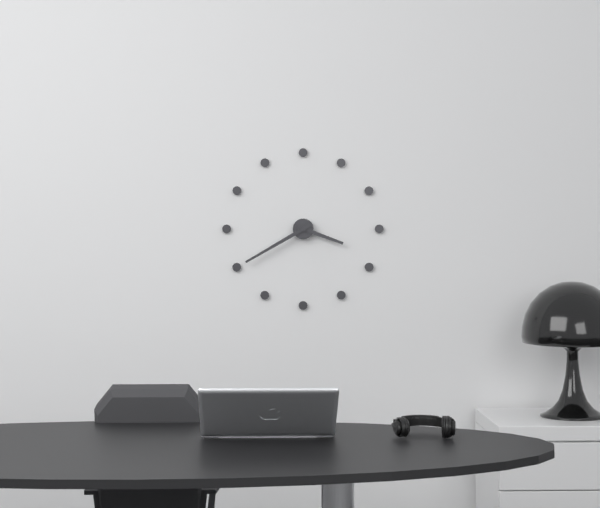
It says **3:40**
